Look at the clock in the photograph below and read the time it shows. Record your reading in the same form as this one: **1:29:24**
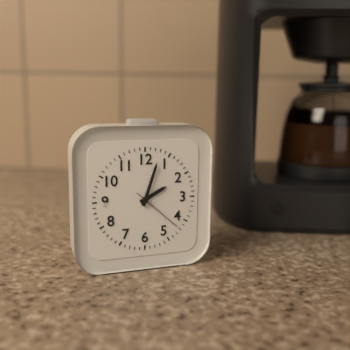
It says **2:03:22**
